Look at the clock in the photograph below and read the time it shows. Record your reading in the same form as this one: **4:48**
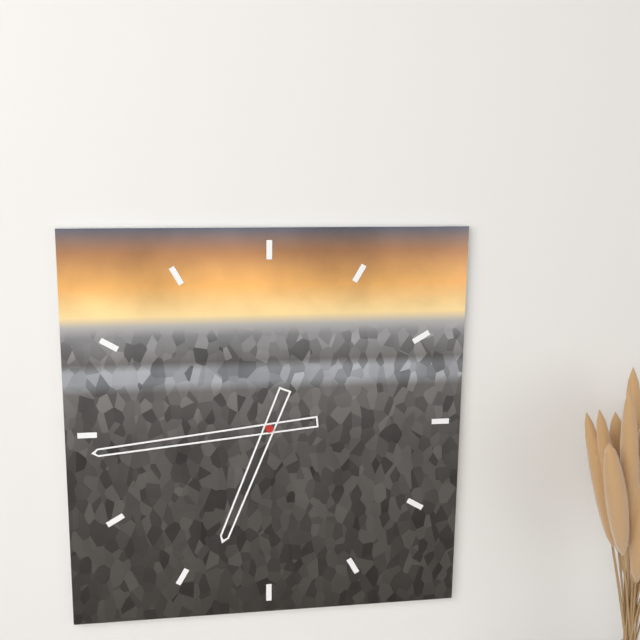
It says **6:44**
